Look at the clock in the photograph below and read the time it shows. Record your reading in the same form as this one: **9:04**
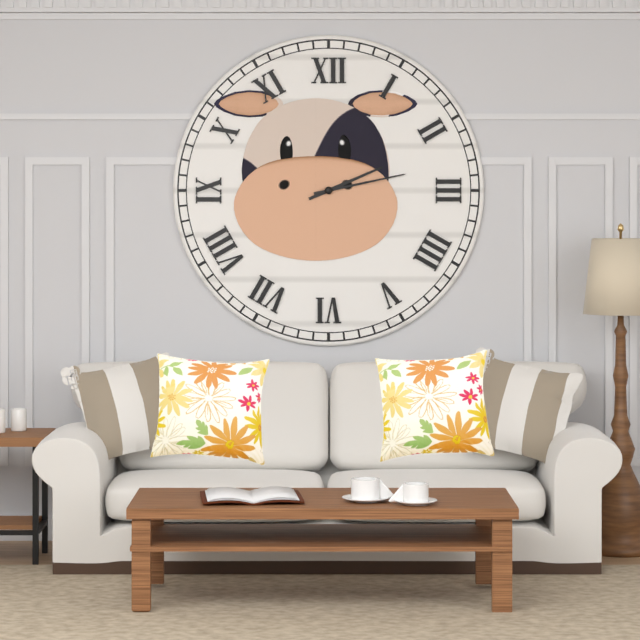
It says **2:13**
